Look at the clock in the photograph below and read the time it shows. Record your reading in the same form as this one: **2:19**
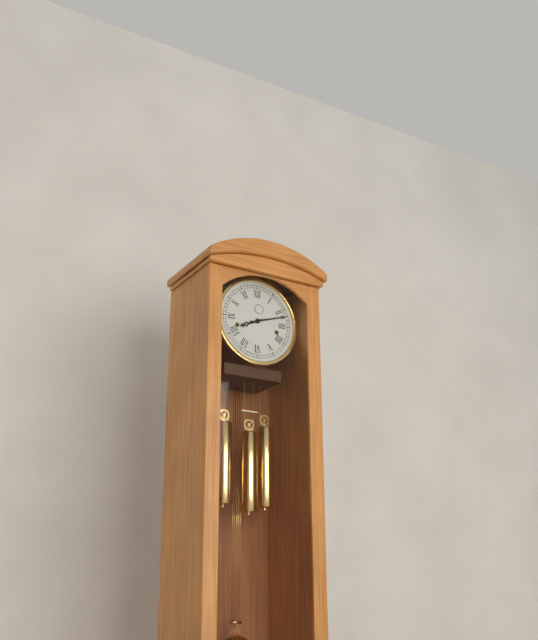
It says **8:12**
